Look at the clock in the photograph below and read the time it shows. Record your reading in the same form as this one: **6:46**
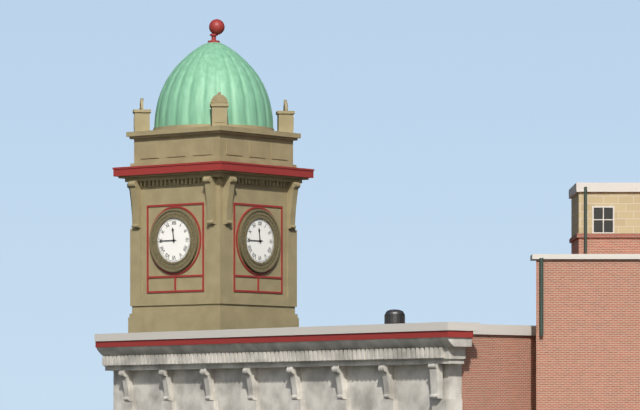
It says **11:45**
